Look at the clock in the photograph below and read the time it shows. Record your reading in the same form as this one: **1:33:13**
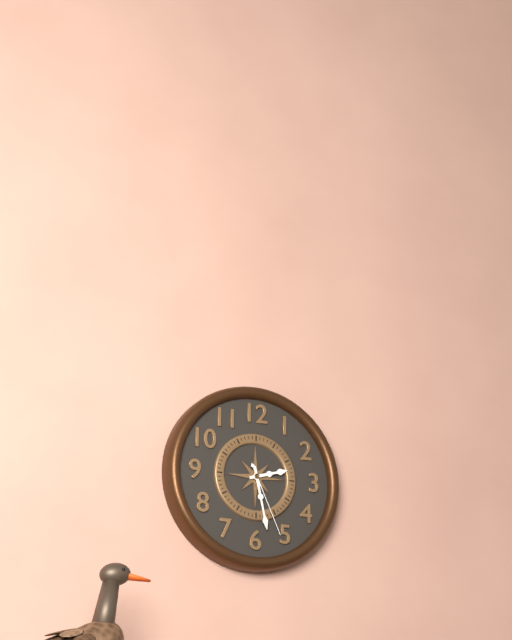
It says **2:28:26**
